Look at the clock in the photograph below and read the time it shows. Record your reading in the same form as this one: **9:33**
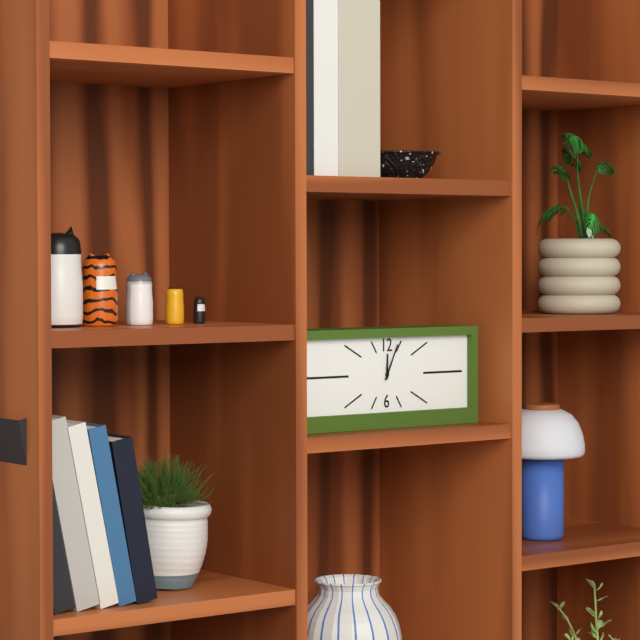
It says **12:04**
